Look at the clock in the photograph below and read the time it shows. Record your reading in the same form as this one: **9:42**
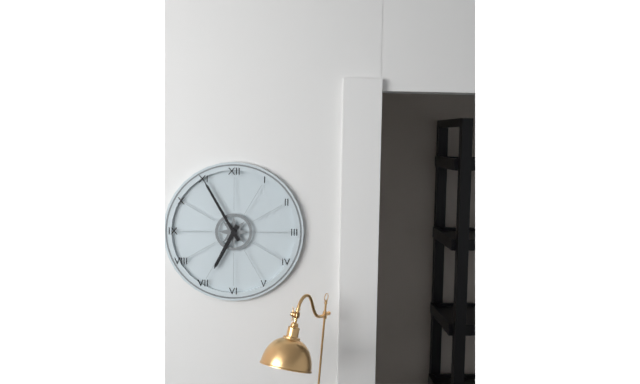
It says **6:55**
